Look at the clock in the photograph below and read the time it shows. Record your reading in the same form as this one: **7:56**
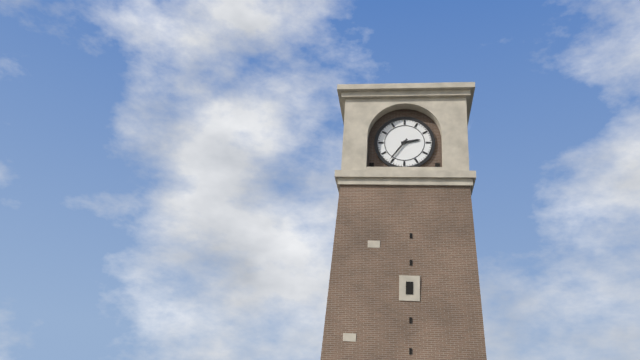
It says **2:36**
